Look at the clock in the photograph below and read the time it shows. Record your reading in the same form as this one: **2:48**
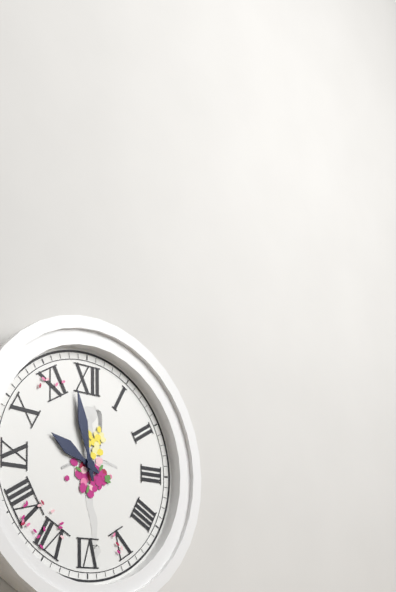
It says **9:58**
